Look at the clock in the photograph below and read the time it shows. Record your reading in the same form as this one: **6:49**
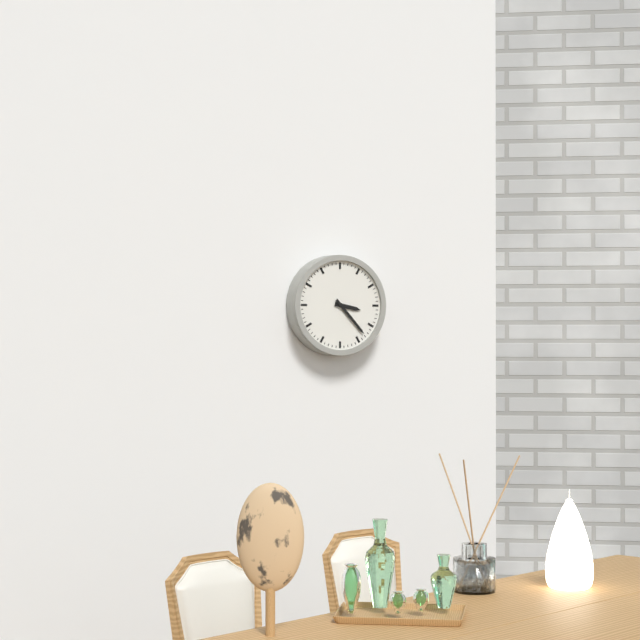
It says **3:23**
